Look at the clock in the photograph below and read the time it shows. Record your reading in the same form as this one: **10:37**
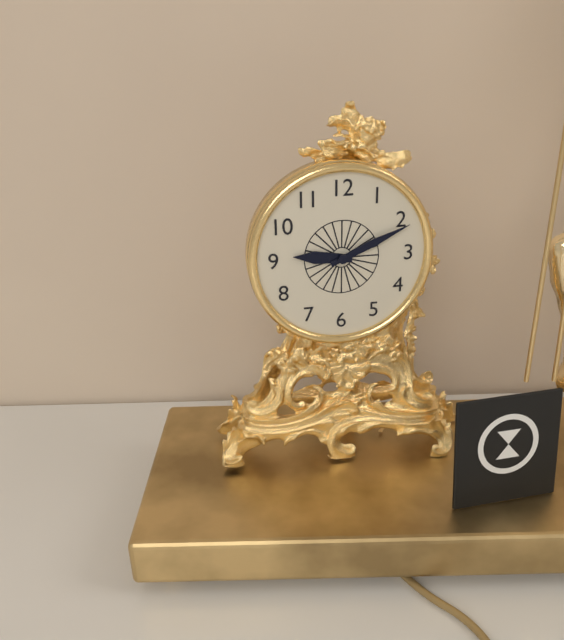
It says **9:11**
